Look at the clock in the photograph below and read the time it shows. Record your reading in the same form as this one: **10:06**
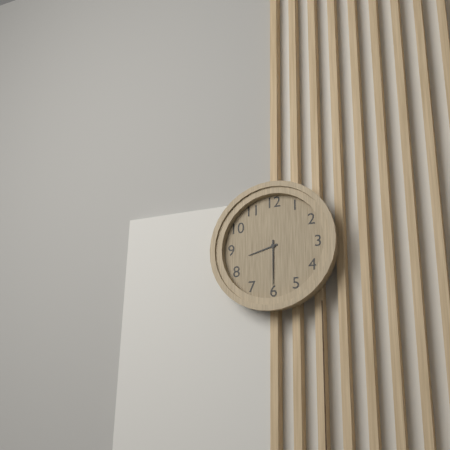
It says **8:30**
